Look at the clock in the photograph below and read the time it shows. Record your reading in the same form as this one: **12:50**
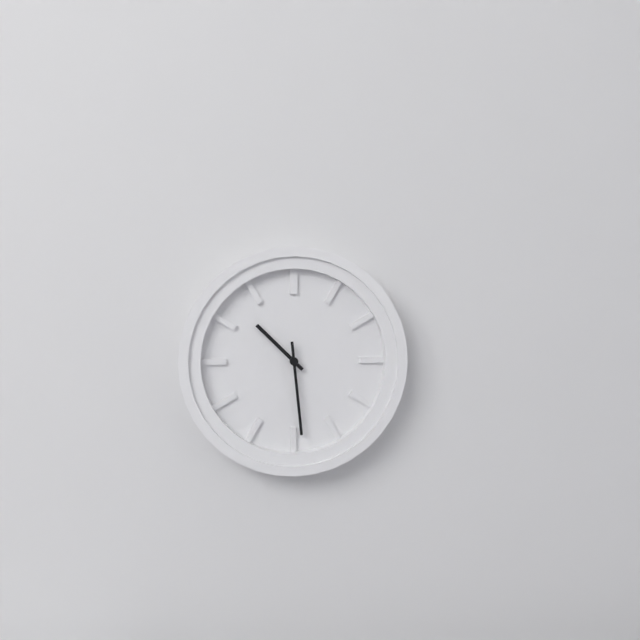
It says **10:29**
